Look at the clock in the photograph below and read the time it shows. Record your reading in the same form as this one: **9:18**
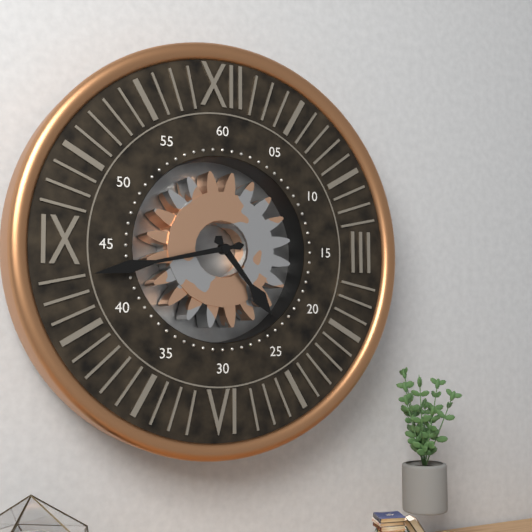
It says **4:43**
